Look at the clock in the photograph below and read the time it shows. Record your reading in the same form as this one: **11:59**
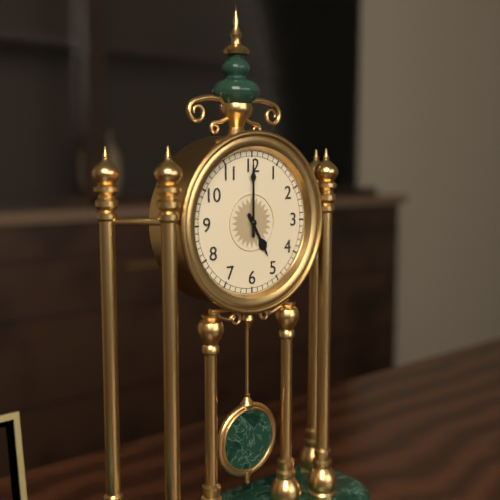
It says **5:00**
